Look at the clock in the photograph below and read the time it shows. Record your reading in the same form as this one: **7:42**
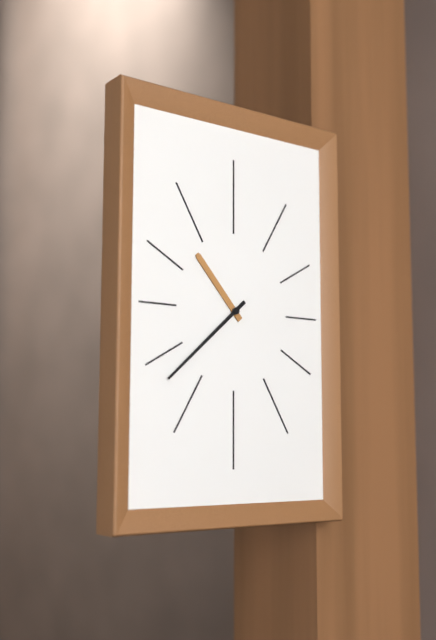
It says **10:38**
